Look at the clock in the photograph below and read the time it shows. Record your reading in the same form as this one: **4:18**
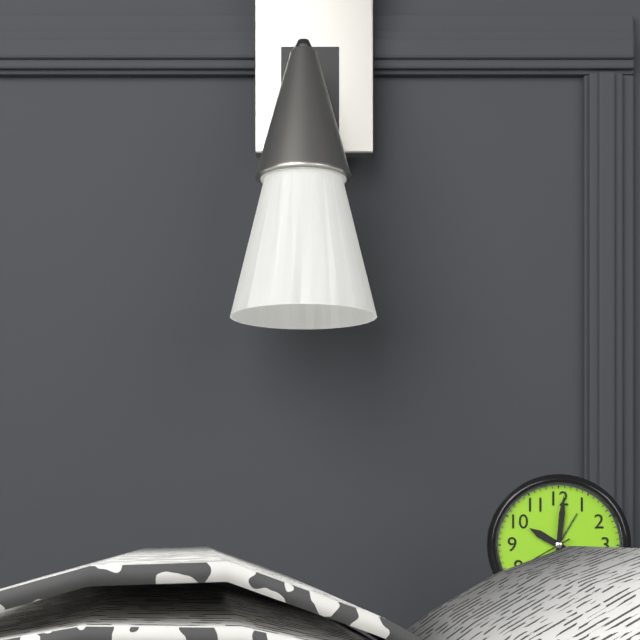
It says **10:01**
